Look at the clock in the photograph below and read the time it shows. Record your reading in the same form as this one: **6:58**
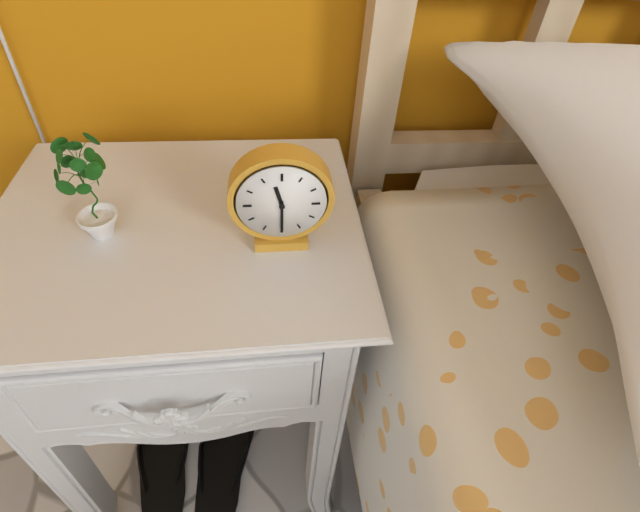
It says **11:30**
